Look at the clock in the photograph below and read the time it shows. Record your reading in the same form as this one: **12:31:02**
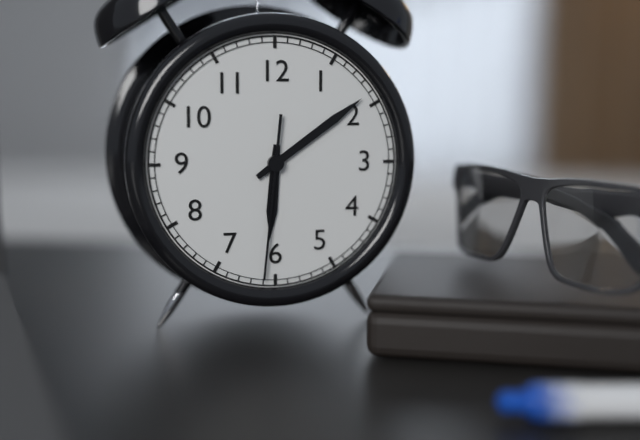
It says **6:09:31**
